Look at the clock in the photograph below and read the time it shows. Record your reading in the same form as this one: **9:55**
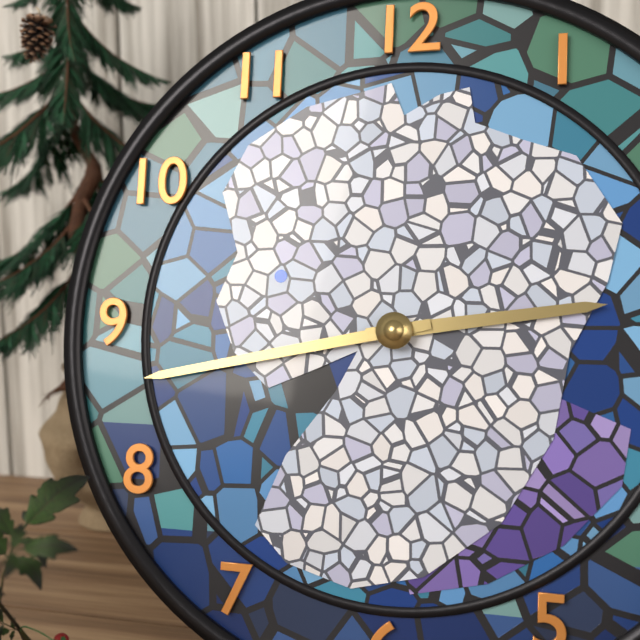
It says **2:43**
